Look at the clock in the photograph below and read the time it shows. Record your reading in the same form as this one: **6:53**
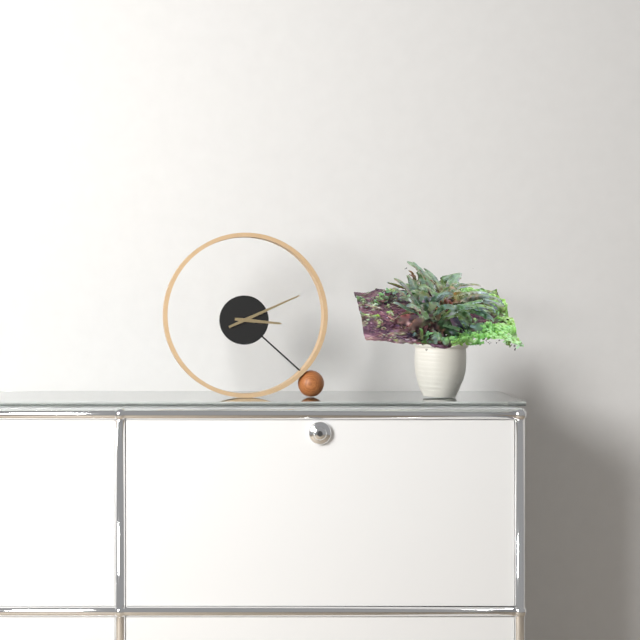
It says **3:11**
